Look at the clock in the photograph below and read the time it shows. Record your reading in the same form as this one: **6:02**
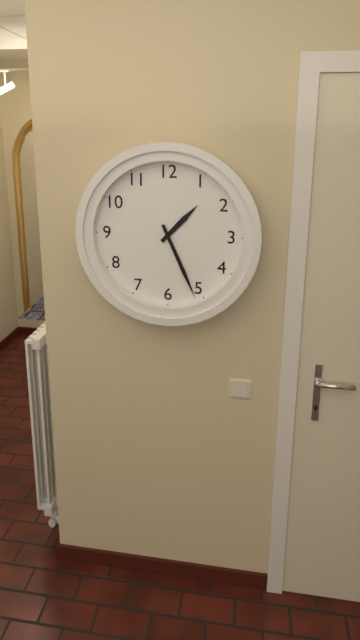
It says **1:26**
